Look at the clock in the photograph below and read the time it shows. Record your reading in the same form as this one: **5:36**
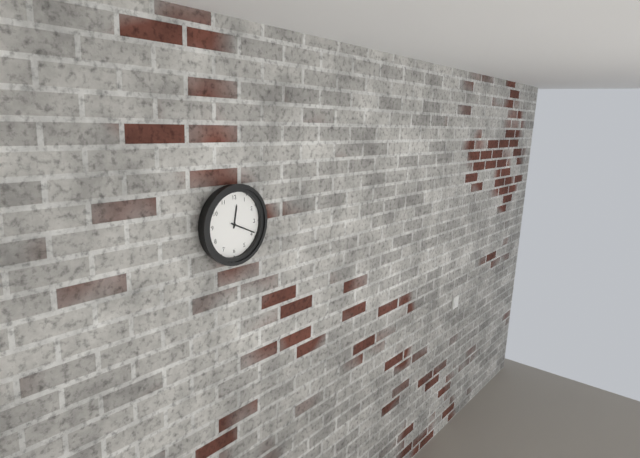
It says **12:19**
